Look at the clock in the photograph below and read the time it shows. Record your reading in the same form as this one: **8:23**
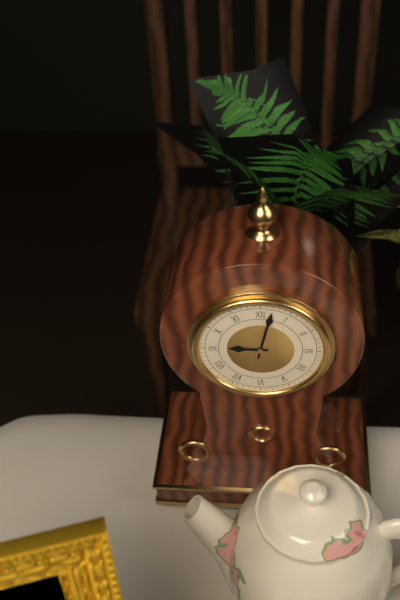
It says **9:02**
